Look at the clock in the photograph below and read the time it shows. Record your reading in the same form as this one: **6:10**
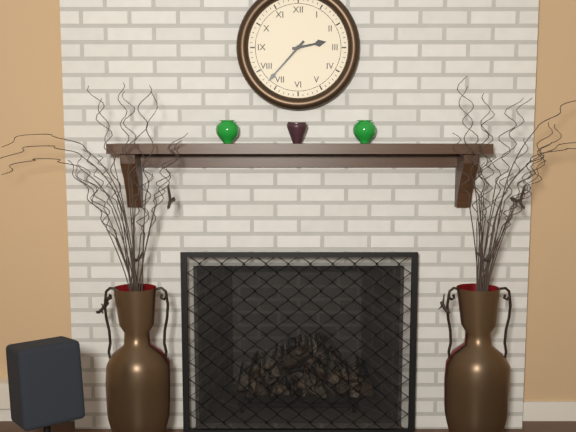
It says **2:37**
